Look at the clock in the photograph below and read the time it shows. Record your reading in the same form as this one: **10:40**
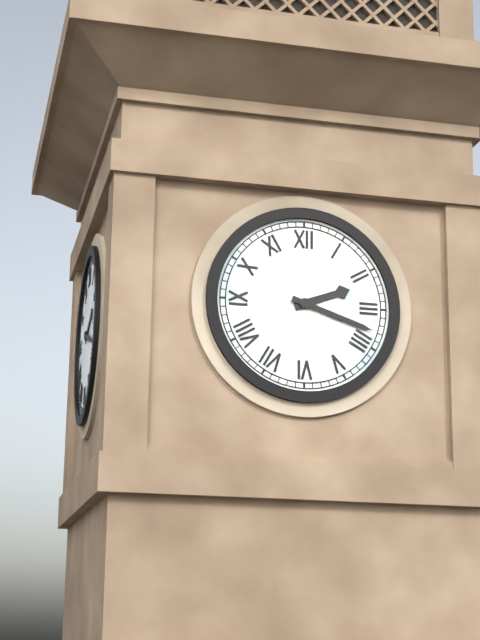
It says **2:18**
